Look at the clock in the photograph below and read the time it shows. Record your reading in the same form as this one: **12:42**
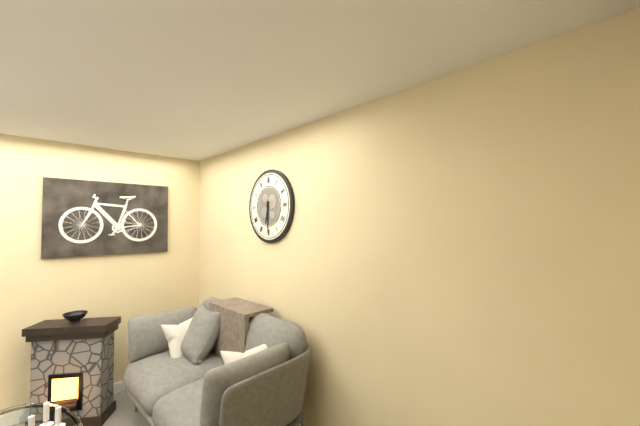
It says **6:30**
